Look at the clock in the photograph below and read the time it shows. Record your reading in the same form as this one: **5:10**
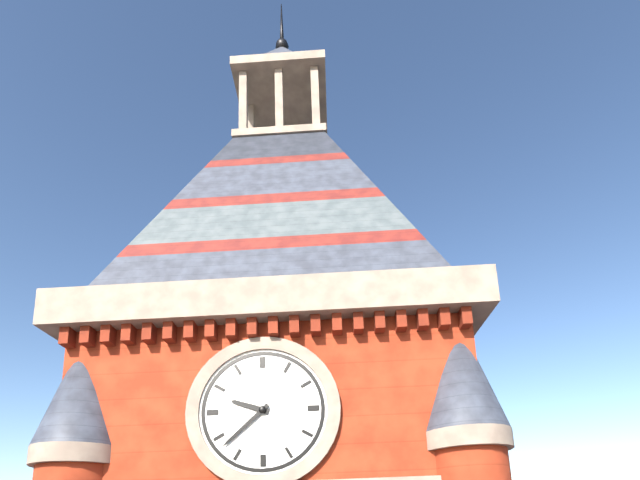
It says **9:38**
